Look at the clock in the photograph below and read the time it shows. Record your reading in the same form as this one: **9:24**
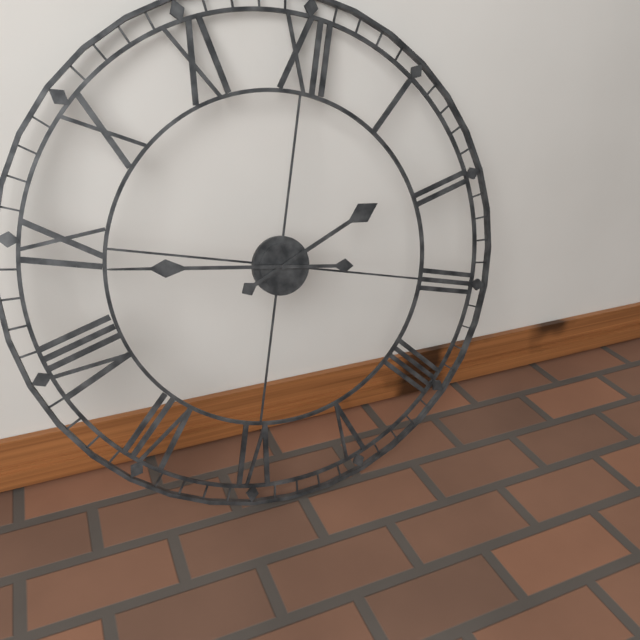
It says **1:44**
